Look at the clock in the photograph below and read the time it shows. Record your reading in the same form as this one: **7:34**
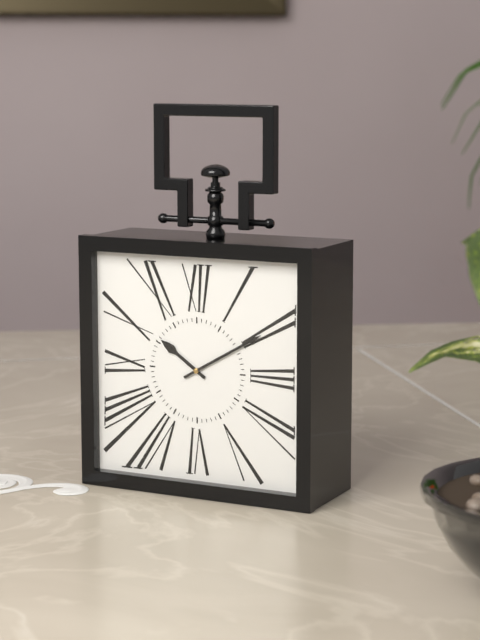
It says **10:10**
